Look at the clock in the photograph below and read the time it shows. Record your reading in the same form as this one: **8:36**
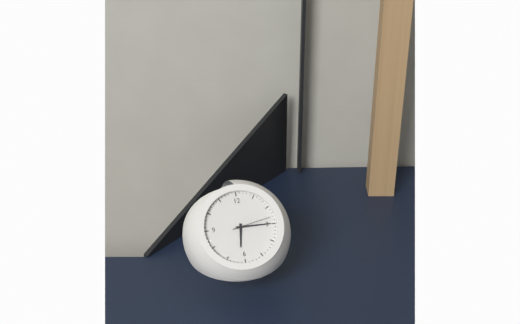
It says **6:15**
